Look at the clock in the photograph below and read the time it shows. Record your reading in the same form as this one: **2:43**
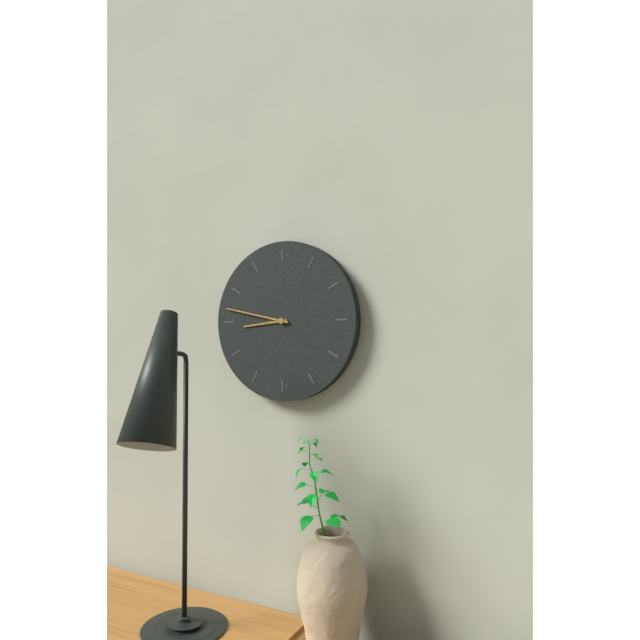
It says **8:47**
